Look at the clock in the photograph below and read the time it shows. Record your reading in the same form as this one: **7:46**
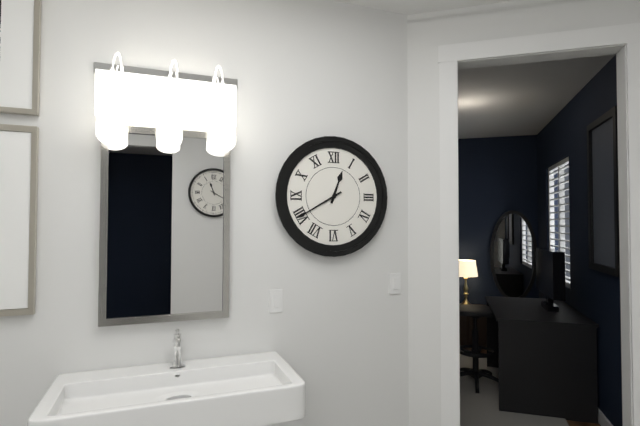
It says **12:40**
